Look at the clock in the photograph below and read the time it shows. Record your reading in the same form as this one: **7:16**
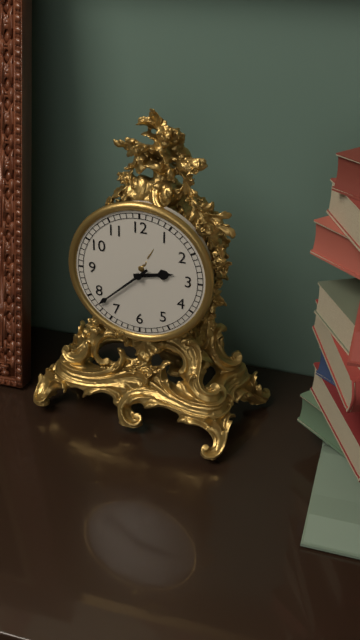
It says **2:38**
